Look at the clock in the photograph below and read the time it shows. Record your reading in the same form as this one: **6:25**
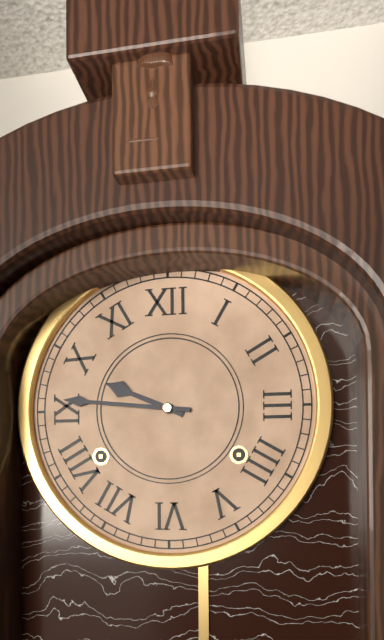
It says **9:46**
